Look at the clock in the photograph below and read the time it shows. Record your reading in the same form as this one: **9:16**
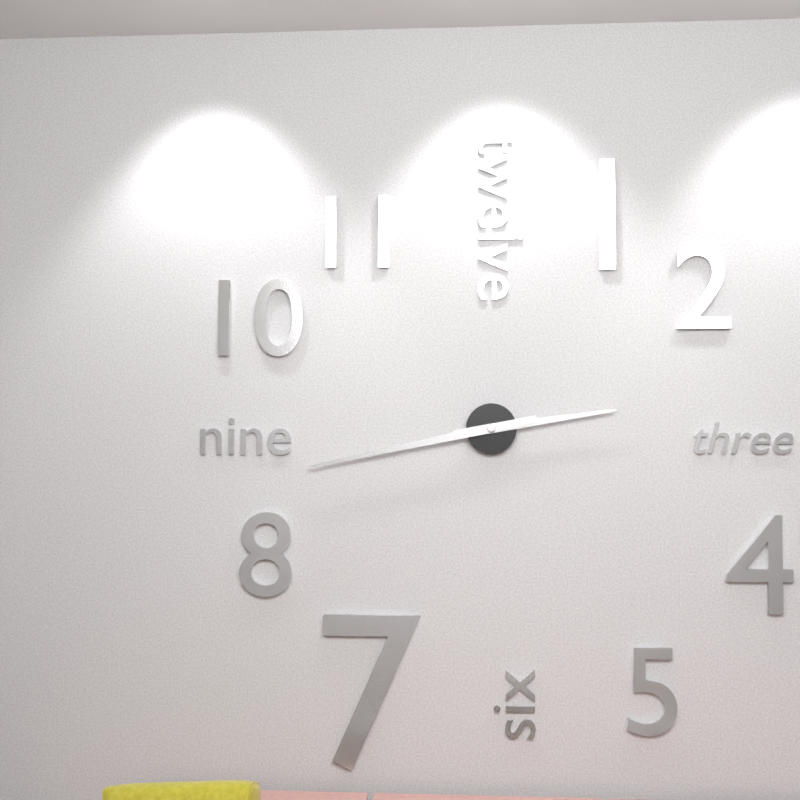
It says **2:43**
